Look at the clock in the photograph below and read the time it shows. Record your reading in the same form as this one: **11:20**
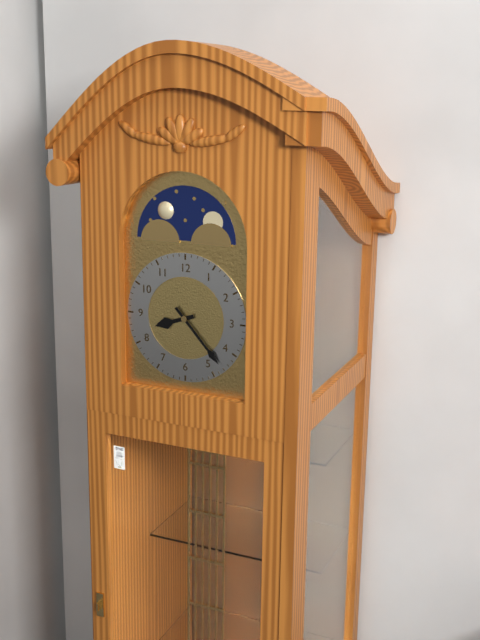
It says **8:23**
